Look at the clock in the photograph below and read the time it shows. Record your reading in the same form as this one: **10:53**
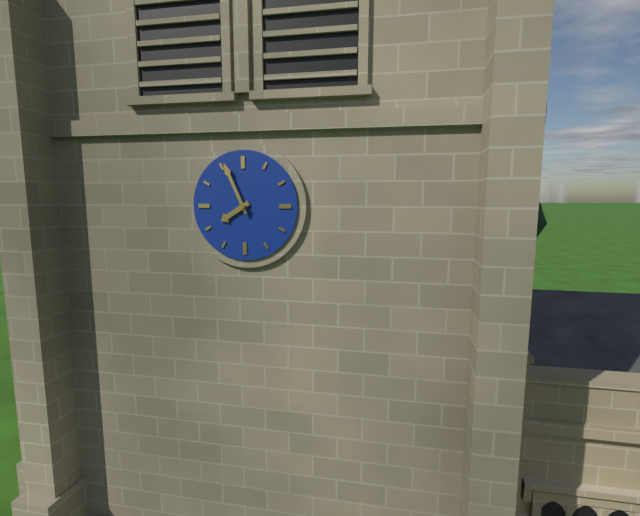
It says **7:56**
